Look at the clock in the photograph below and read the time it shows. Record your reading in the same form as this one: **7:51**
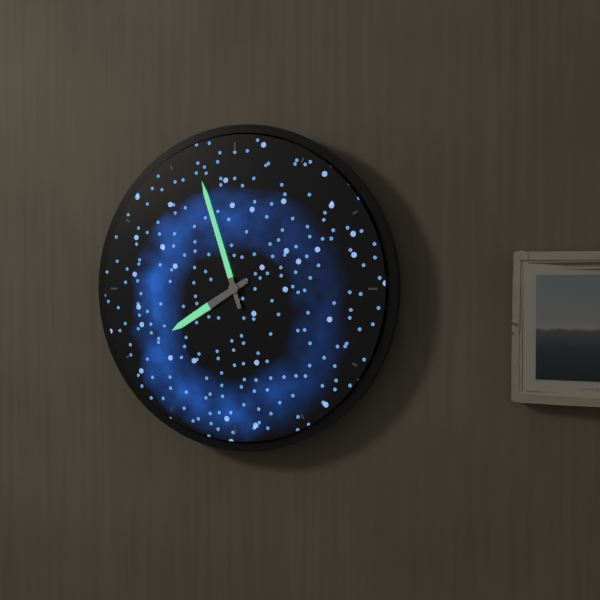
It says **7:57**
